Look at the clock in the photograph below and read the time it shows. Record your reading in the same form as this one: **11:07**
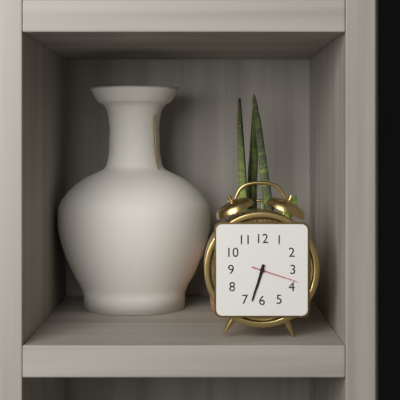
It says **6:33**
